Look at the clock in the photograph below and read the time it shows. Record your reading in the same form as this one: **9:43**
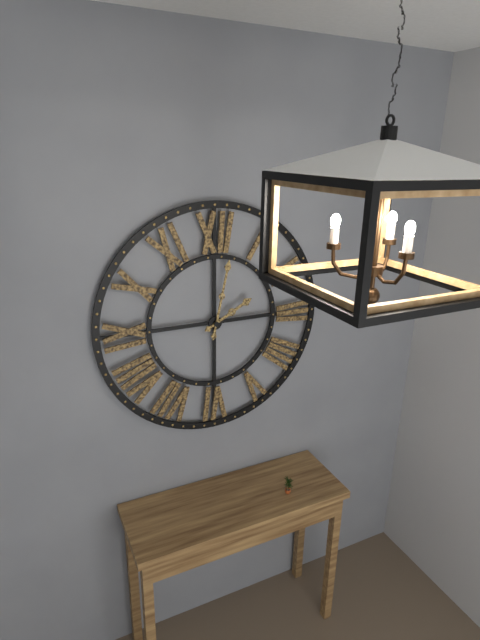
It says **2:02**
